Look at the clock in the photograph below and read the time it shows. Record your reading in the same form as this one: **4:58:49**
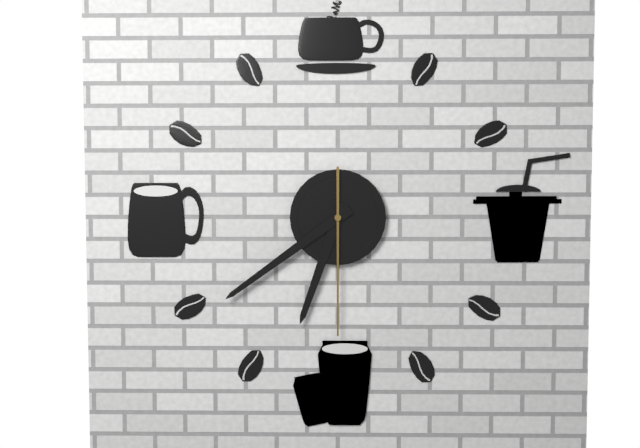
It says **6:39:30**
